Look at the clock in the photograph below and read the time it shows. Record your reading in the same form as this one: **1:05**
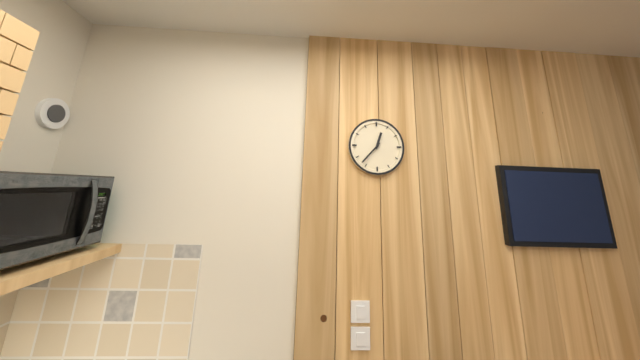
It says **12:37**
